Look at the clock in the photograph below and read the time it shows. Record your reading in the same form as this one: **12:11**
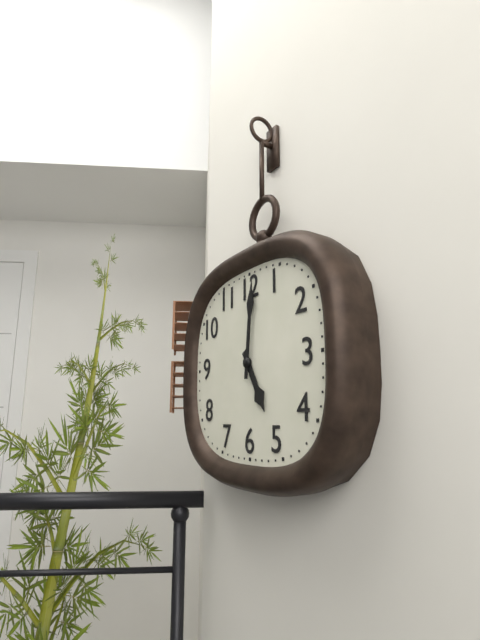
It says **5:01**
